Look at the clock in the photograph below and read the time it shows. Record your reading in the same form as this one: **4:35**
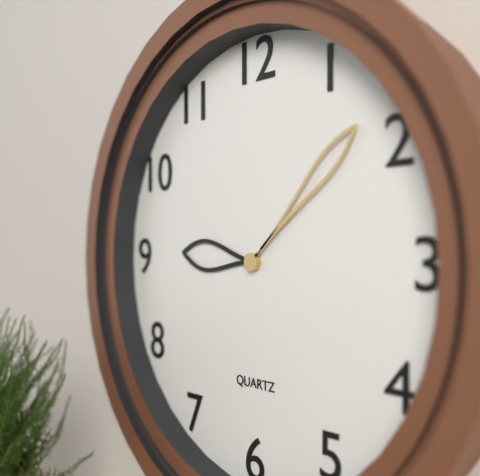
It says **9:08**
